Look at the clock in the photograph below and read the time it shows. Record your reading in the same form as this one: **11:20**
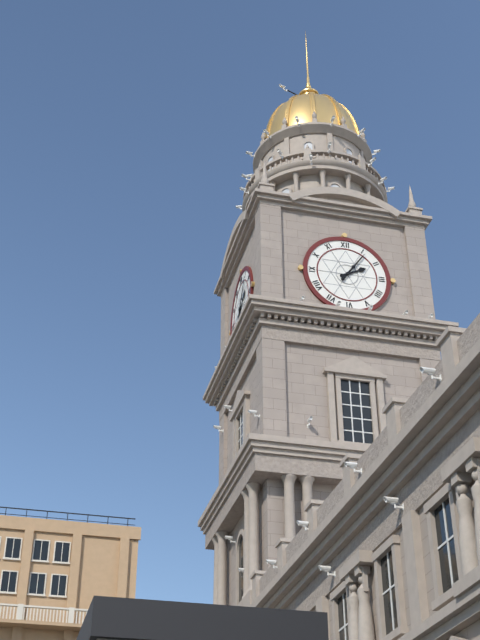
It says **2:06**
